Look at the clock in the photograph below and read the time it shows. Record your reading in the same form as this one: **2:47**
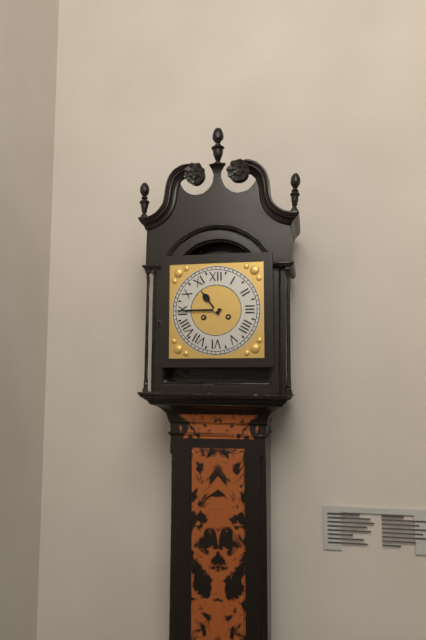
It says **10:45**
